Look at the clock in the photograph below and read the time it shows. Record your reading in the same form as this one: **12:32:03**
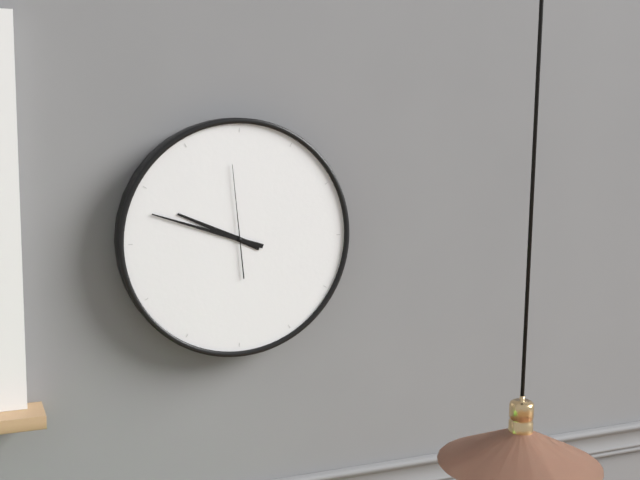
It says **9:48:59**
